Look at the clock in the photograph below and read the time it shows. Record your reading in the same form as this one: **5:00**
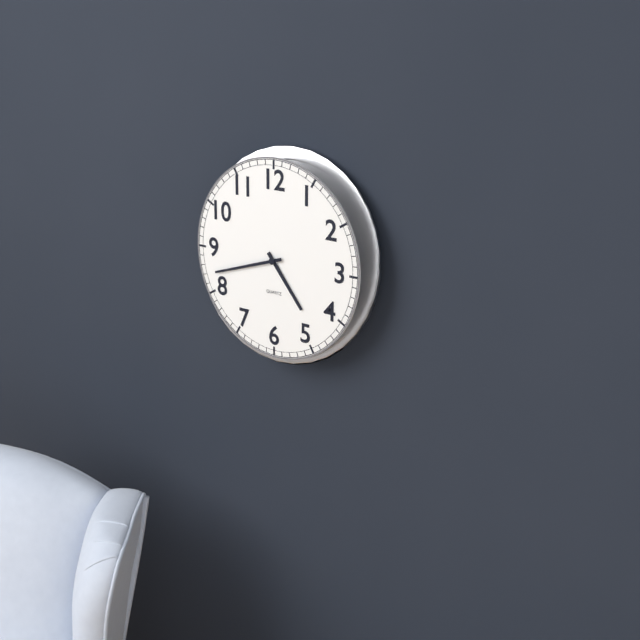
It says **4:42**
